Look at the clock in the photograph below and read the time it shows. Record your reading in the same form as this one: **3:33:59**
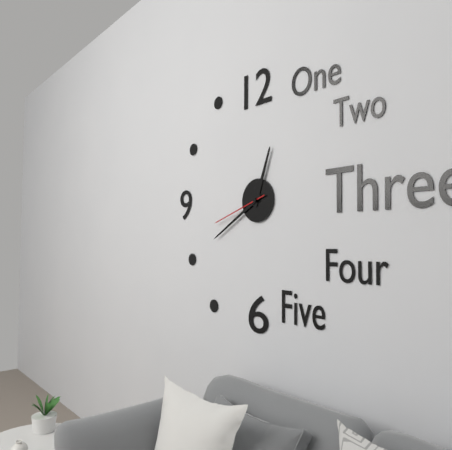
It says **12:40:42**
